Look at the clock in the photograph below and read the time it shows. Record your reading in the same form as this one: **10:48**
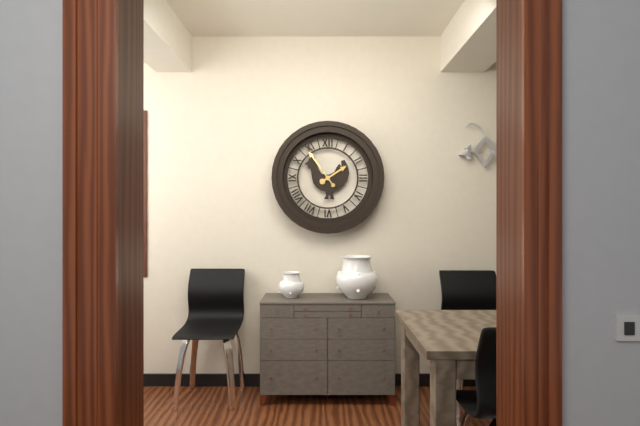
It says **1:54**
